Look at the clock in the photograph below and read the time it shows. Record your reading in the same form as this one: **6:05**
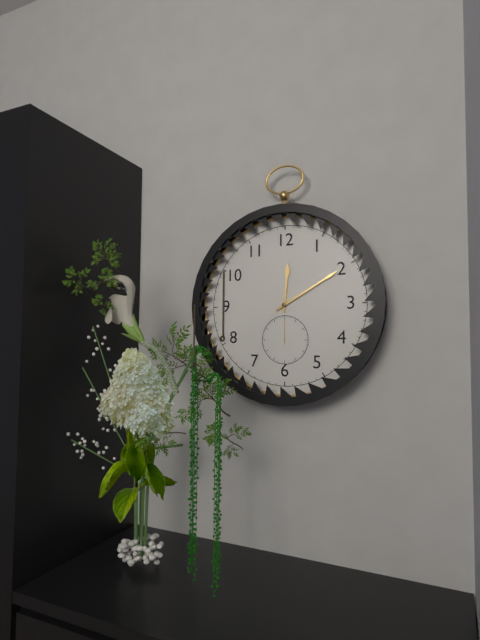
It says **12:10**
